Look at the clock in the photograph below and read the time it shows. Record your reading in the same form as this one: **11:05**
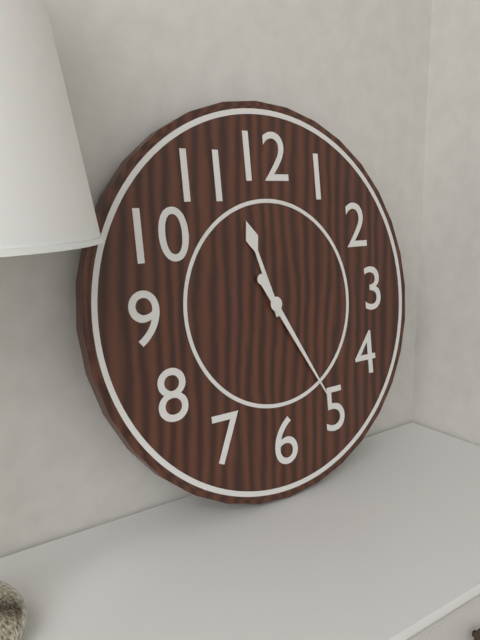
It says **11:25**
